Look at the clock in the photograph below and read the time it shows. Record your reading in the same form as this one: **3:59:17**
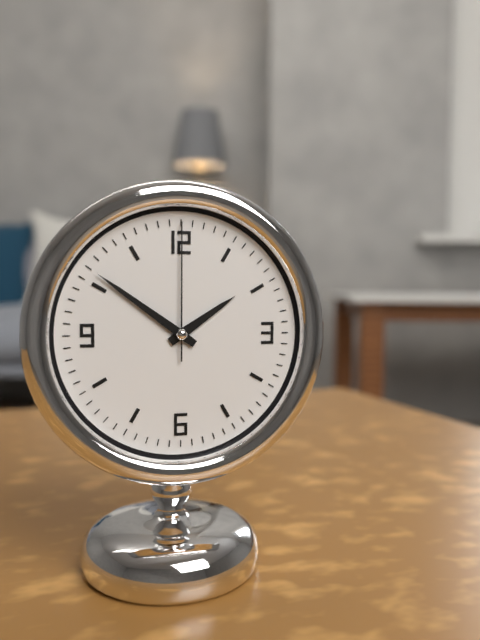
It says **1:51:00**
